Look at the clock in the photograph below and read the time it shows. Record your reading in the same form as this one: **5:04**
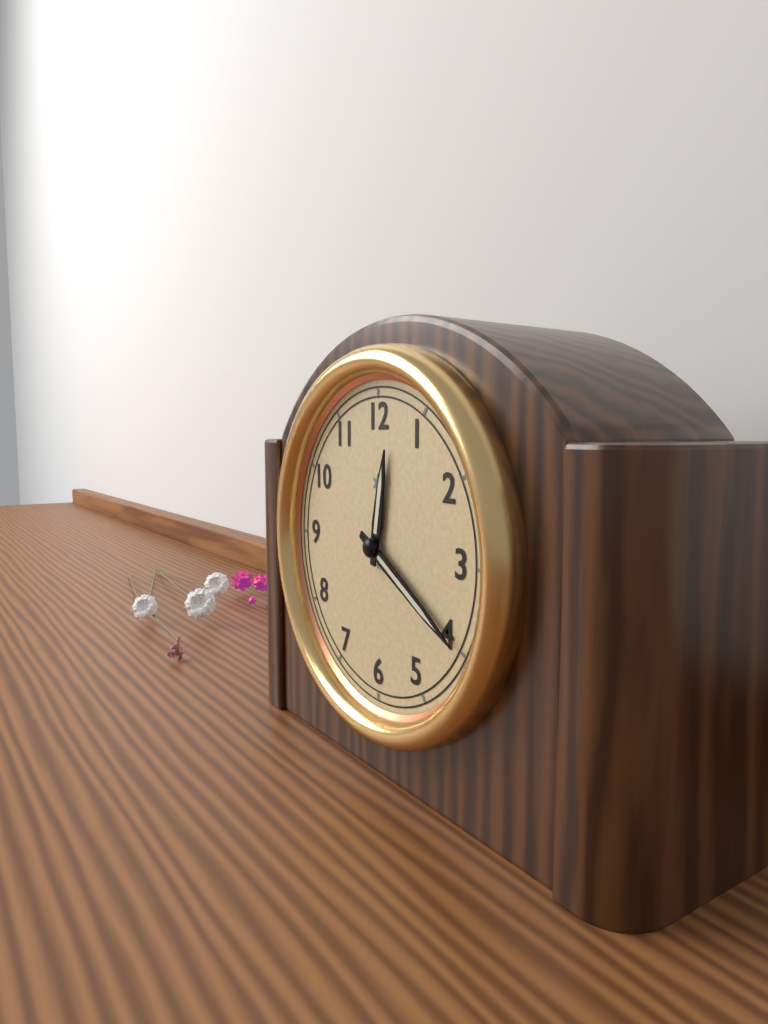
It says **12:20**
